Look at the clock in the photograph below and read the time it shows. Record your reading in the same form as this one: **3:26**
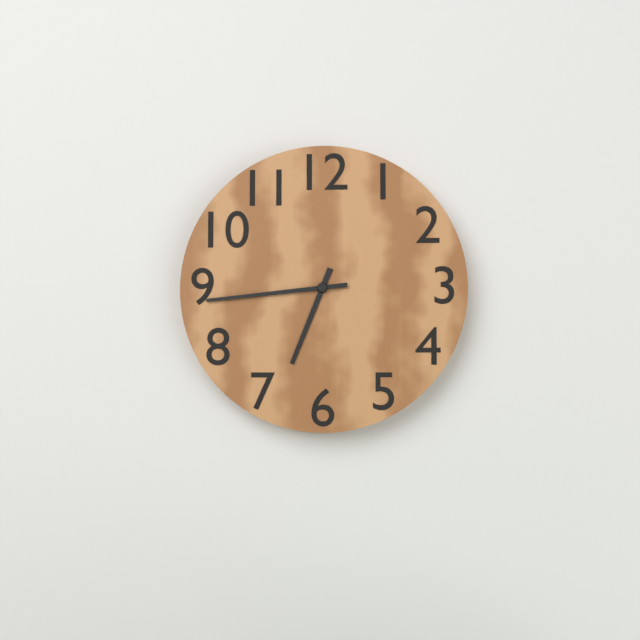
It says **6:44**
